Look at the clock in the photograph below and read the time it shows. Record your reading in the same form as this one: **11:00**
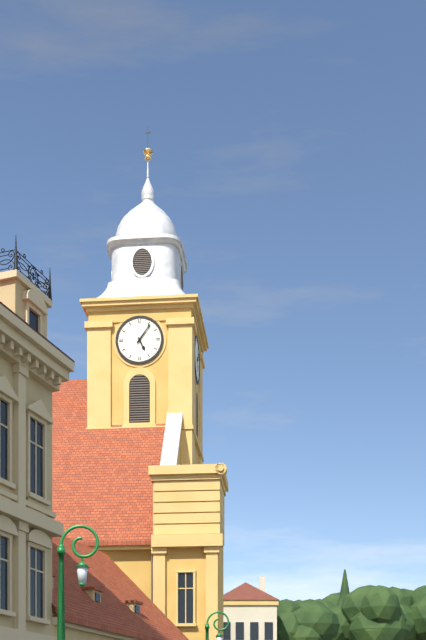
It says **5:06**
